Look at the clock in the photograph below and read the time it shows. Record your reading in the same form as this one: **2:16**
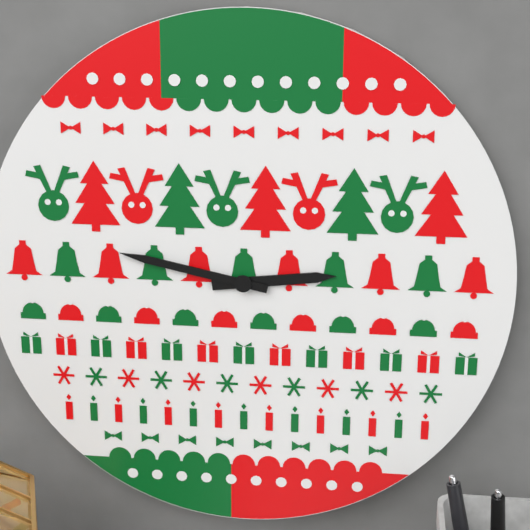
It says **2:47**
